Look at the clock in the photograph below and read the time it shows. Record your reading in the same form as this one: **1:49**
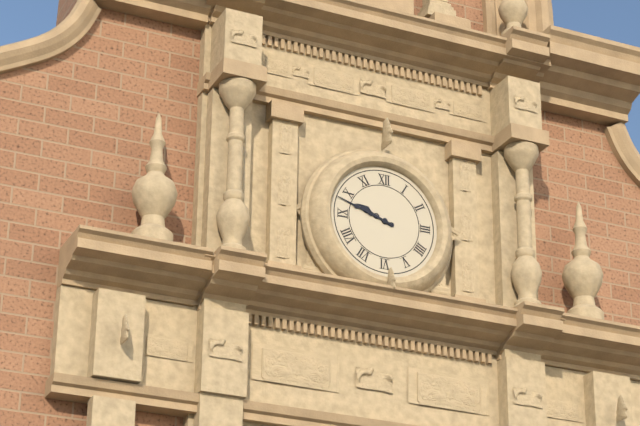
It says **9:48**
